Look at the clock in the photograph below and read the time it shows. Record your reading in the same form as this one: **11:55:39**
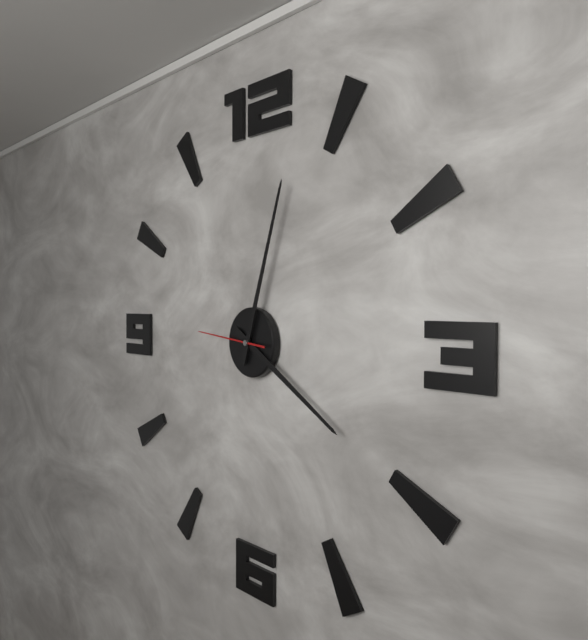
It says **4:03:46**
